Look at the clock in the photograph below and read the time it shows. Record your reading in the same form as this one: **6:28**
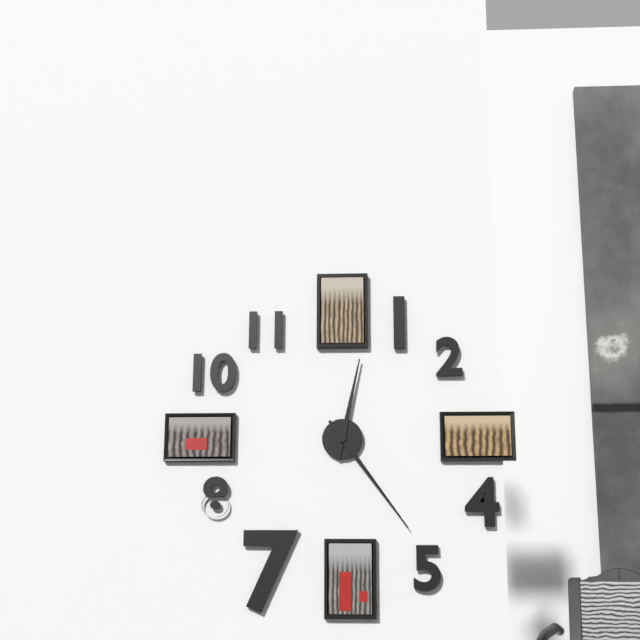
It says **12:24**
